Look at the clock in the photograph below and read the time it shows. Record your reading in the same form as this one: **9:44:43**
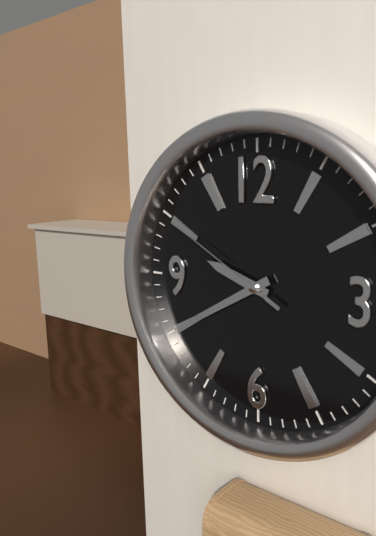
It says **9:40:50**
